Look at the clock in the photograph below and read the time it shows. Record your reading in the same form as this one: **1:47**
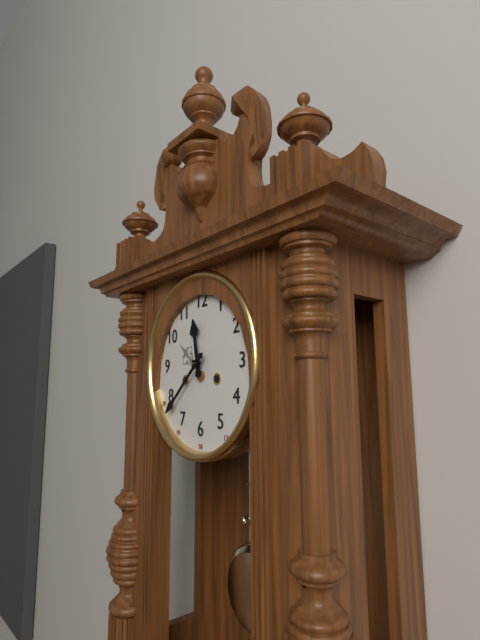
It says **11:38**
